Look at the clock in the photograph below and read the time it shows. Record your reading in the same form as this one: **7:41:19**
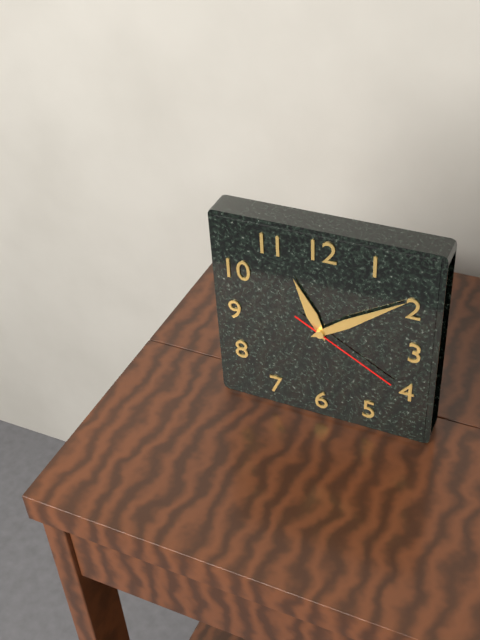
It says **11:09:20**
